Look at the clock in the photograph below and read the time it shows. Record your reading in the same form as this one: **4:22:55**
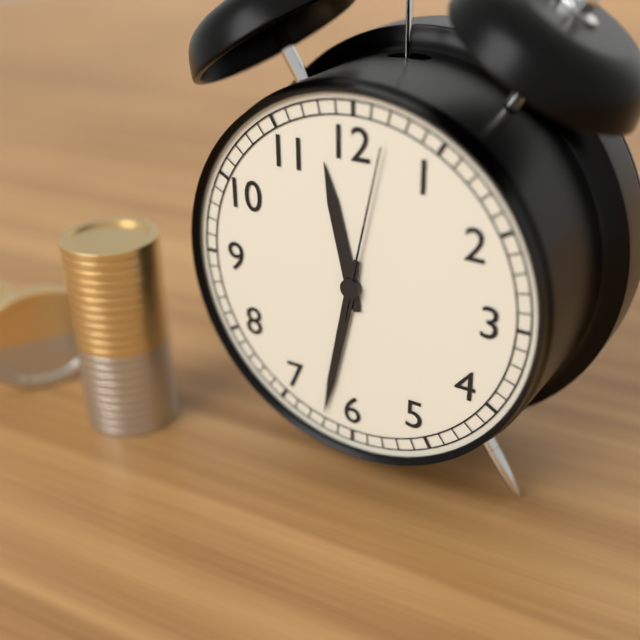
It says **11:32:02**
